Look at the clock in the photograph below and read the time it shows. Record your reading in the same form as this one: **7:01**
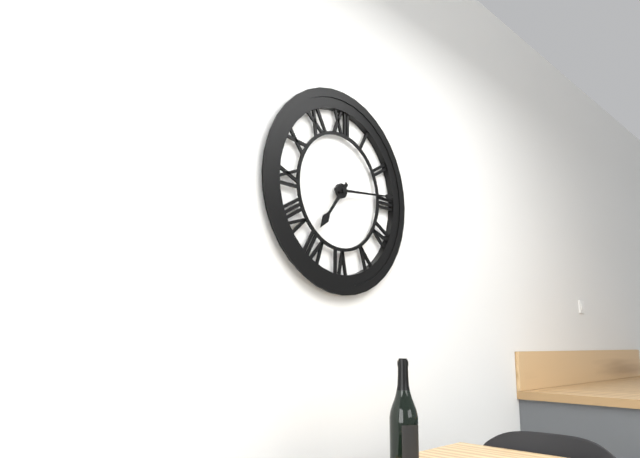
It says **7:14**
